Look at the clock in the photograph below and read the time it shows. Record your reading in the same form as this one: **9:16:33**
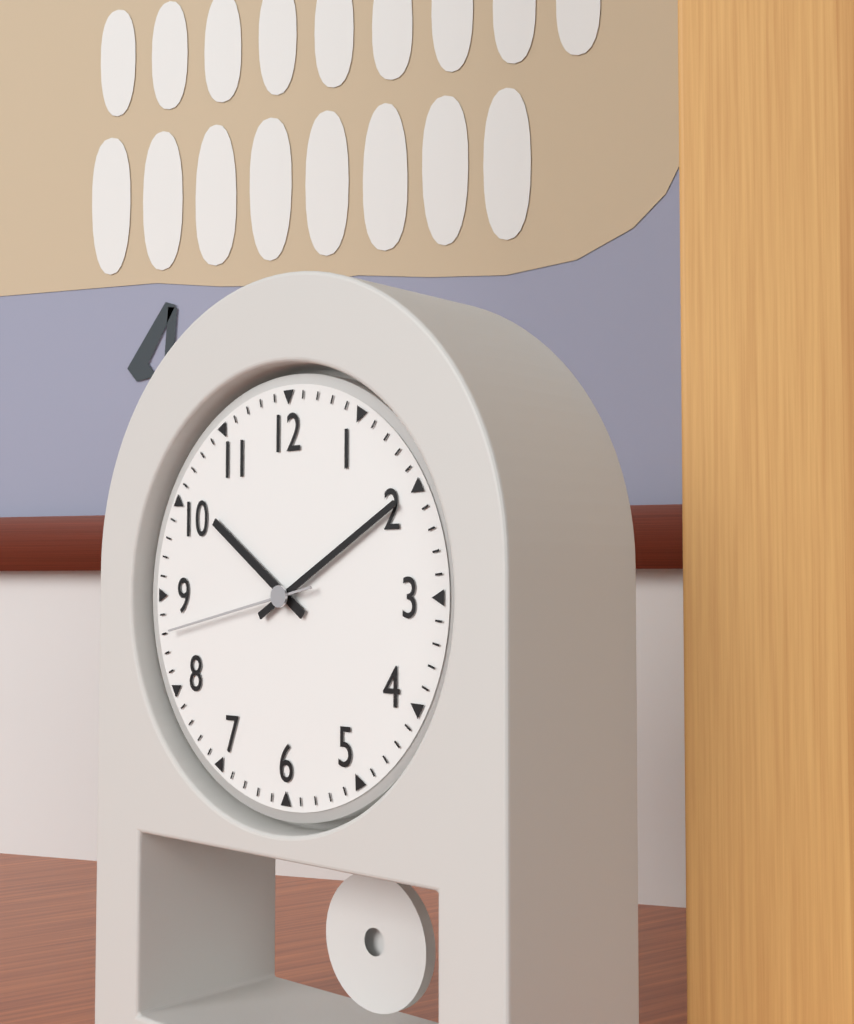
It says **10:10:43**
